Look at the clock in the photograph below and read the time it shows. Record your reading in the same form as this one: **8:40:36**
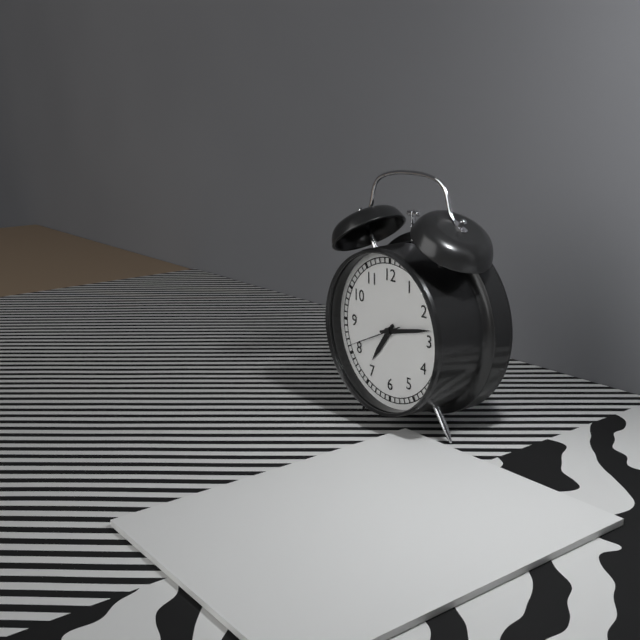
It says **7:13:41**
